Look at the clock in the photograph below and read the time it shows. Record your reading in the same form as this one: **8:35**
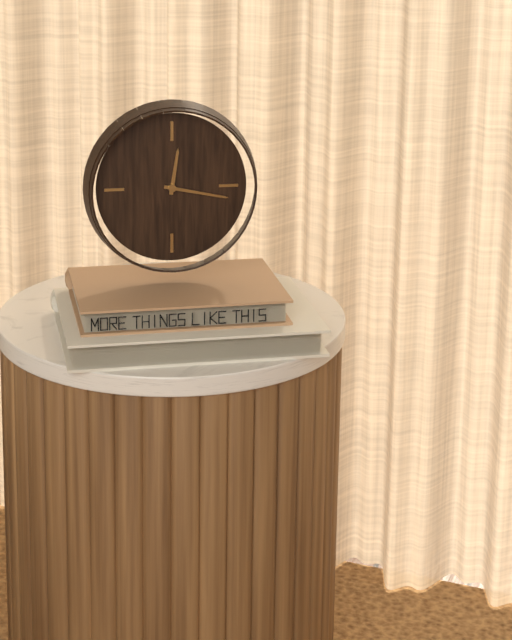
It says **12:17**
